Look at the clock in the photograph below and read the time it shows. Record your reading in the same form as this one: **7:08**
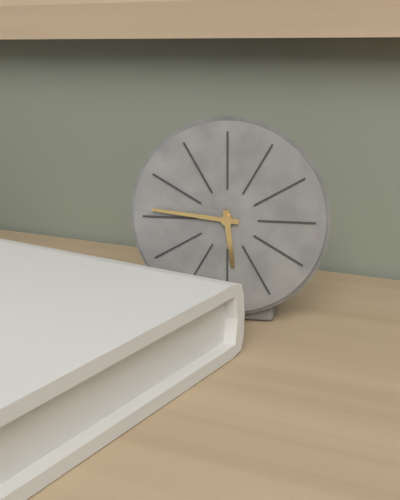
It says **5:46**
